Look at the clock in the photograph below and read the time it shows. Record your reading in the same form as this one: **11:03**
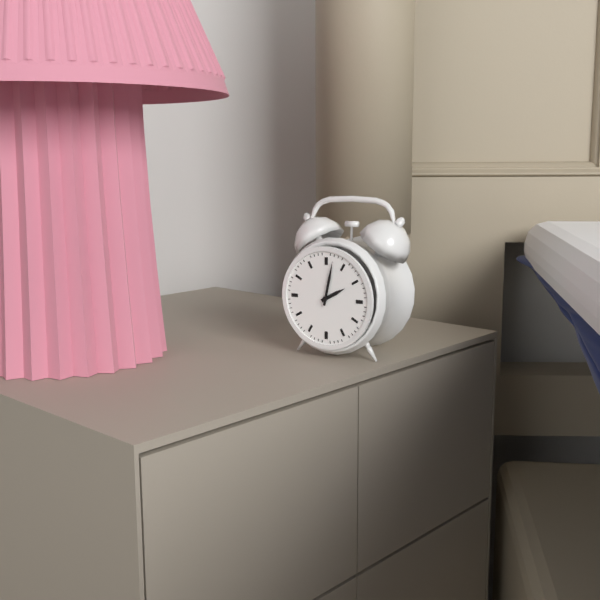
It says **2:02**
